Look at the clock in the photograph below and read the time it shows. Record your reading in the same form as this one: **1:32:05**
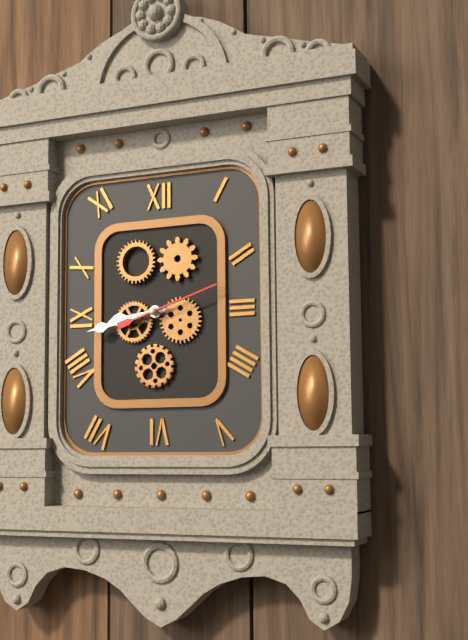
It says **8:43:12**
